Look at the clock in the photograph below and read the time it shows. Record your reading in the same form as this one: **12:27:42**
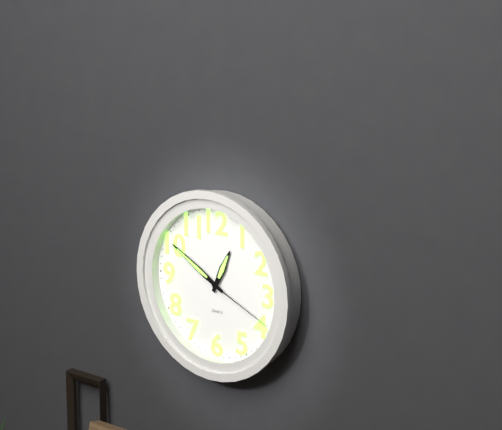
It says **12:50:19**
